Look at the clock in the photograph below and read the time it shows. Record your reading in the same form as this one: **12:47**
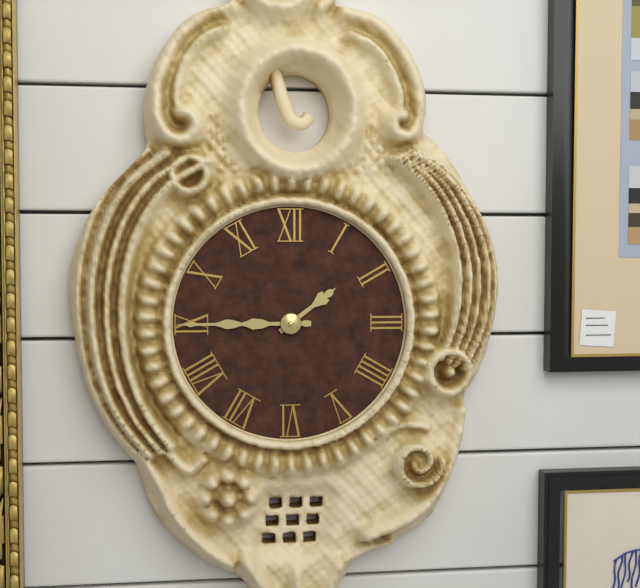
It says **1:45**
